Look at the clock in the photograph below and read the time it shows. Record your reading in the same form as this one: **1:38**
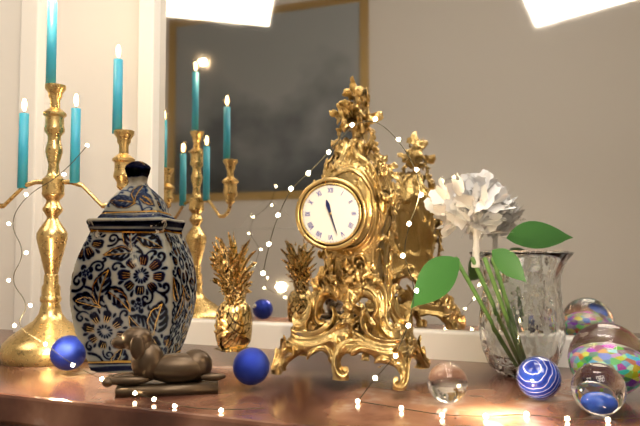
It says **11:27**
